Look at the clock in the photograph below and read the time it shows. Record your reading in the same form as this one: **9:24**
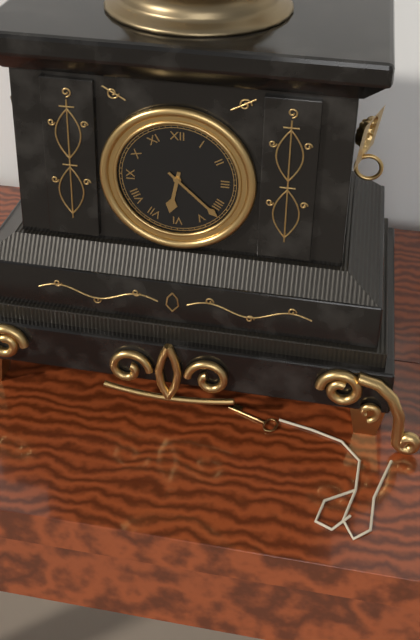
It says **6:22**
